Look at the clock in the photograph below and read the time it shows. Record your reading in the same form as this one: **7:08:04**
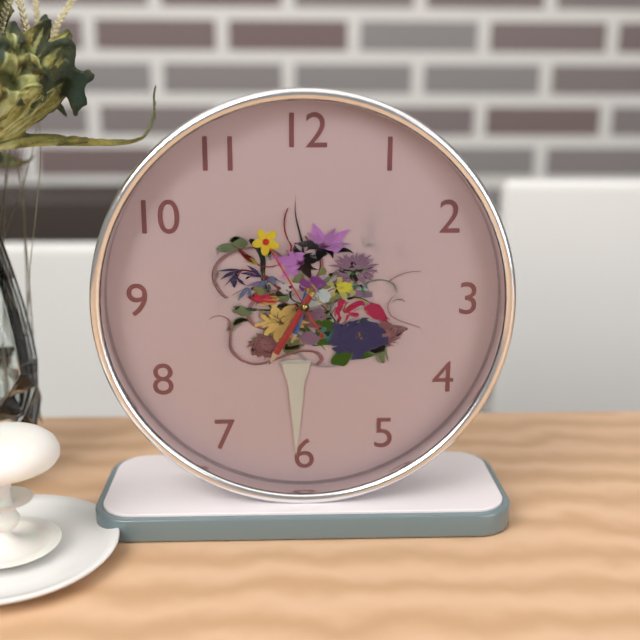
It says **6:35:55**
